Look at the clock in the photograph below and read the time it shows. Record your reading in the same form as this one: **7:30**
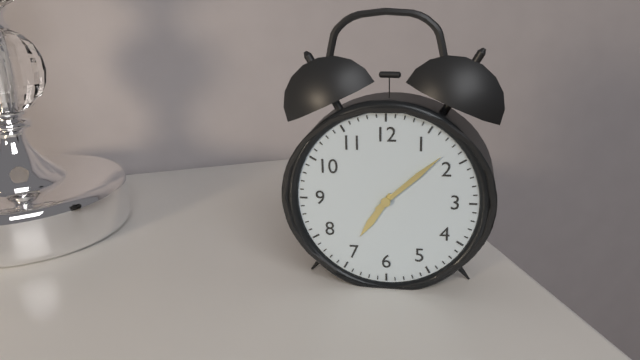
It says **7:08**
